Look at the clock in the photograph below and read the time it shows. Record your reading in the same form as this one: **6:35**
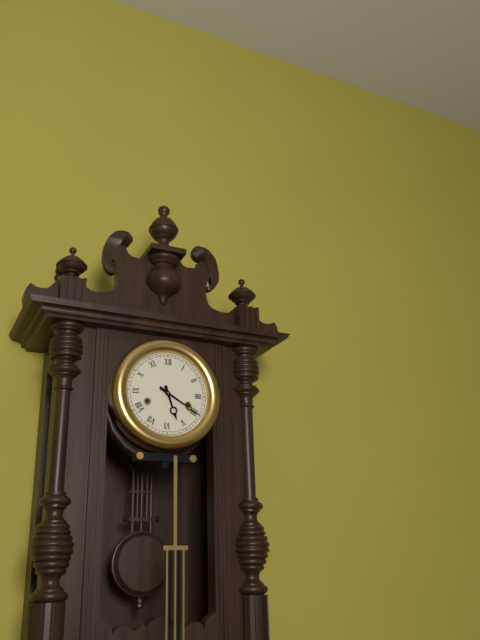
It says **5:20**
